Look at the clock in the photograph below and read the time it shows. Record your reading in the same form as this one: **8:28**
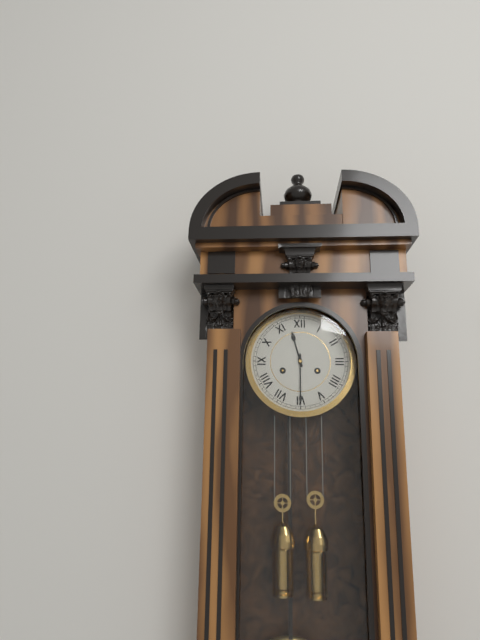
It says **11:30**
